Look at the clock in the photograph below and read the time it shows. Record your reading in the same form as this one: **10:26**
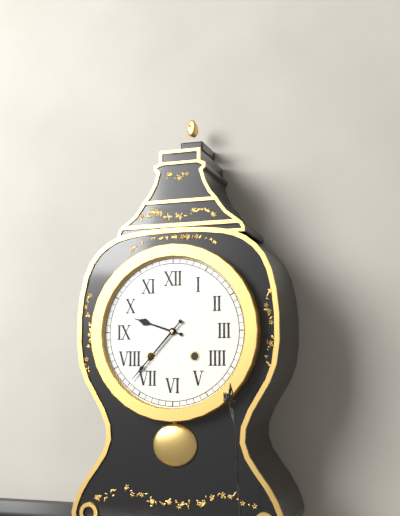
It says **9:37**
